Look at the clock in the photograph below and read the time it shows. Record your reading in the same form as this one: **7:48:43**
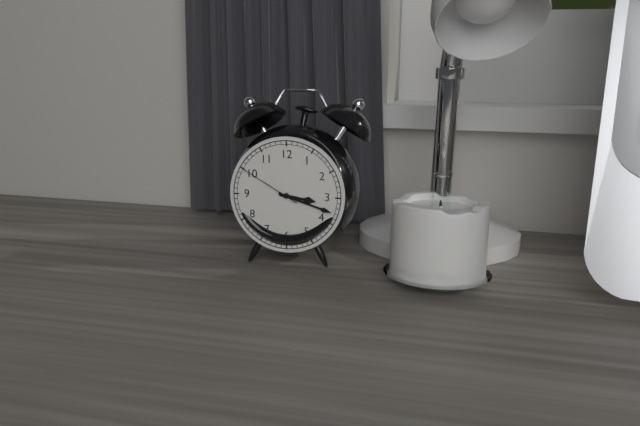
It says **3:18:50**
